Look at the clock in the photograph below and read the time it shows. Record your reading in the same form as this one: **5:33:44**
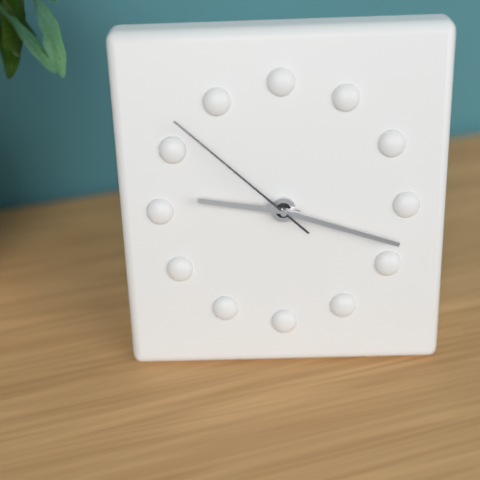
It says **9:18:52**
